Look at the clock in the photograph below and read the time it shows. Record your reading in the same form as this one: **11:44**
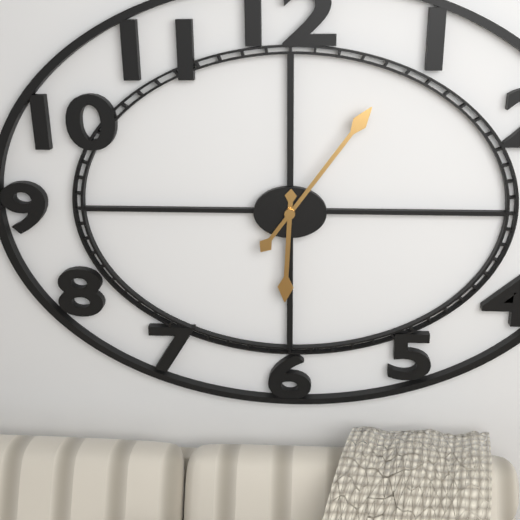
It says **6:06**
